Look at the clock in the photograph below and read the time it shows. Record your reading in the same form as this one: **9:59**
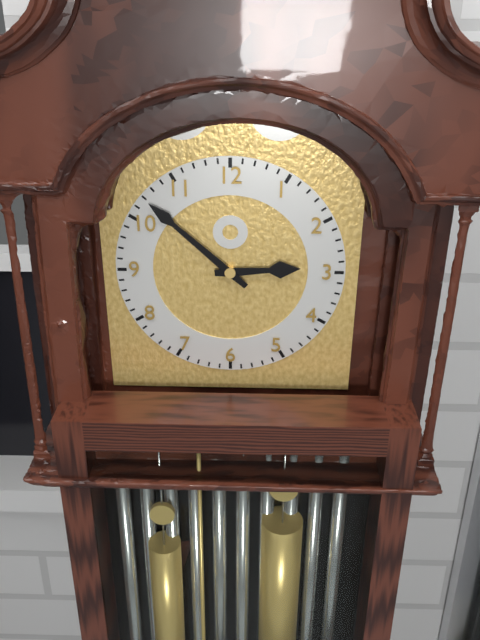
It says **2:52**
